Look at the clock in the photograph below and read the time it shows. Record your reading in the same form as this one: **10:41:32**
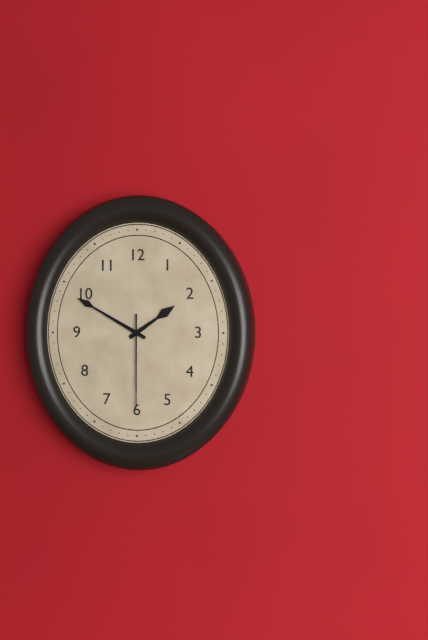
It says **1:50:30**
